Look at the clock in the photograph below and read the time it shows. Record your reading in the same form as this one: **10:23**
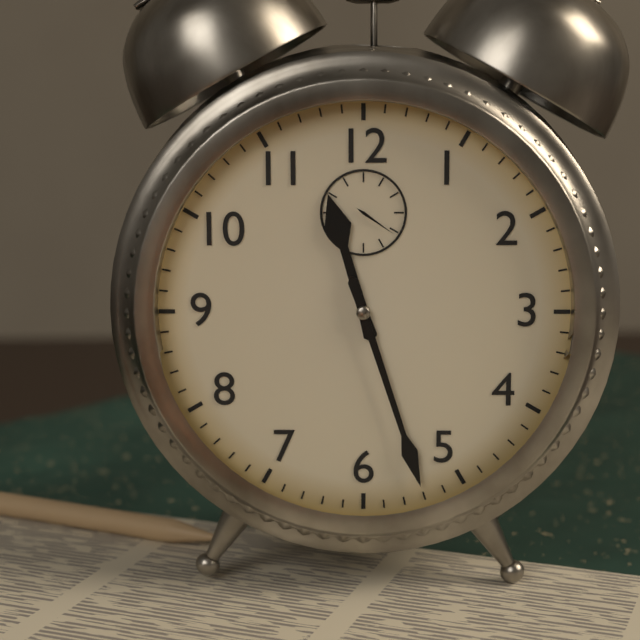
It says **11:27**
